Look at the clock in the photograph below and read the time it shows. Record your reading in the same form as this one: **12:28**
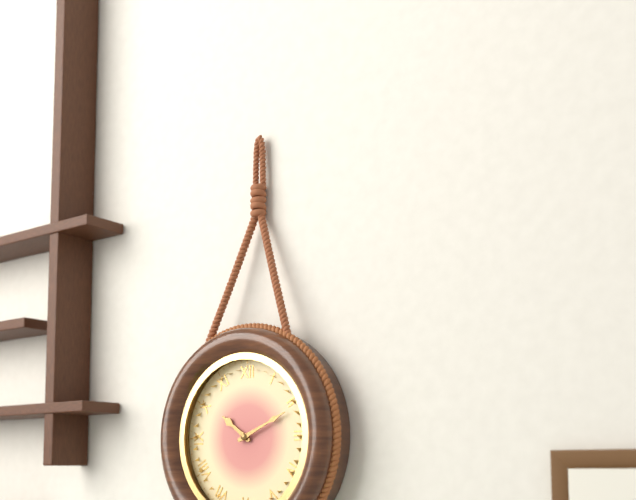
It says **10:11**
